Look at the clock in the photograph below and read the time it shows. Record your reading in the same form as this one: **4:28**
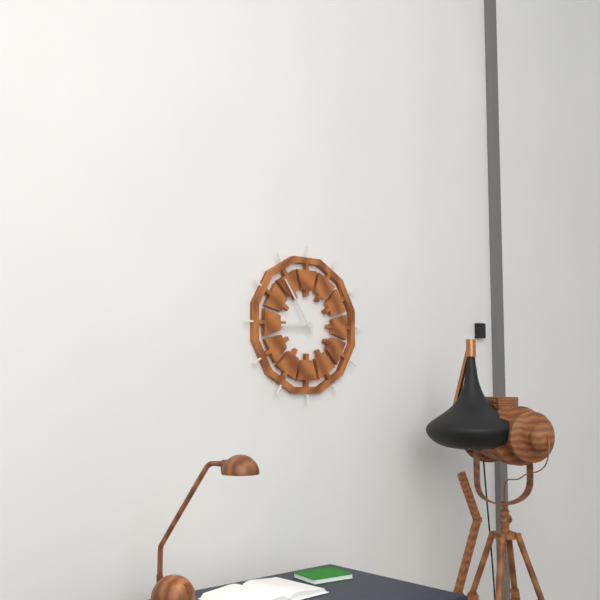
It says **8:54**
